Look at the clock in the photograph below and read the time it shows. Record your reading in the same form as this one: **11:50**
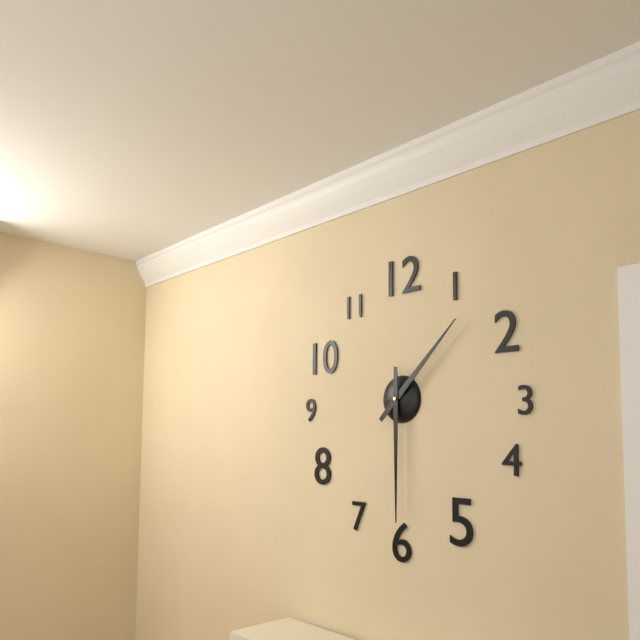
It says **1:30**
